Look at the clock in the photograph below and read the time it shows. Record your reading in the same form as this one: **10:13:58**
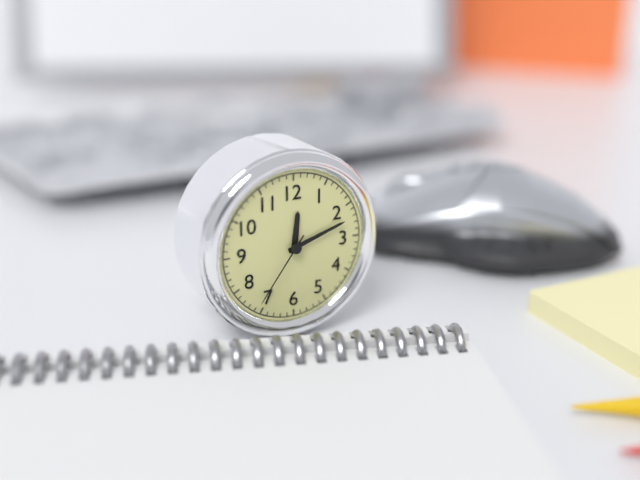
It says **12:12:36**
